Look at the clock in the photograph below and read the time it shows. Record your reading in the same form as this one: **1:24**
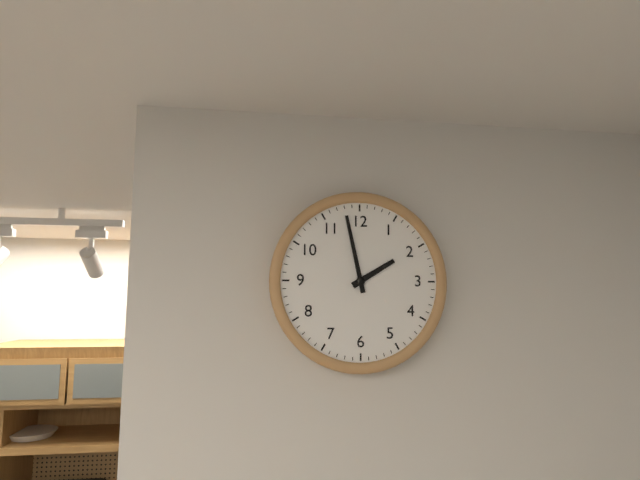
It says **1:58**
